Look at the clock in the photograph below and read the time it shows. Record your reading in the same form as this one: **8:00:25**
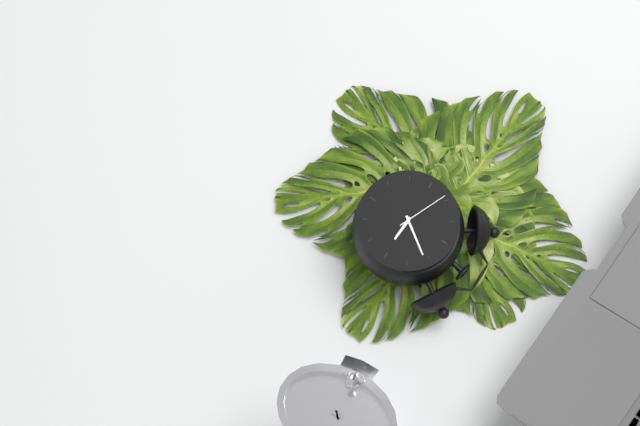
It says **3:06:49**
